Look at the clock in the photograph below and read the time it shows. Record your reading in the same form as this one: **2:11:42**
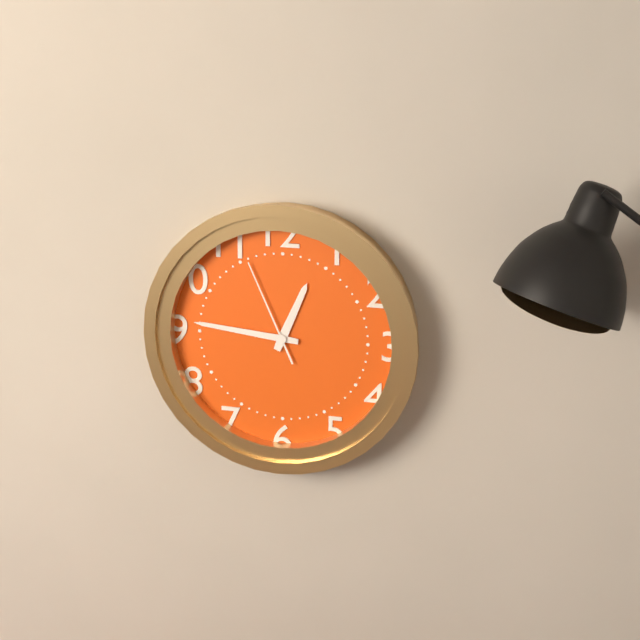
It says **12:46:56**
